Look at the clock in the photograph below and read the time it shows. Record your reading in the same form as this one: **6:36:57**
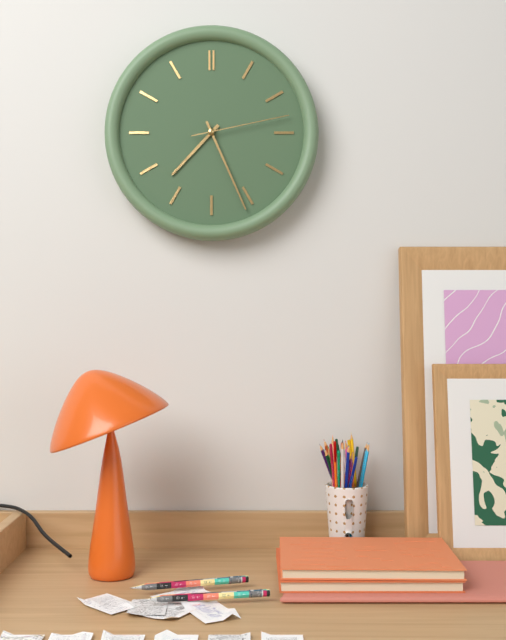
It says **7:26:13**
